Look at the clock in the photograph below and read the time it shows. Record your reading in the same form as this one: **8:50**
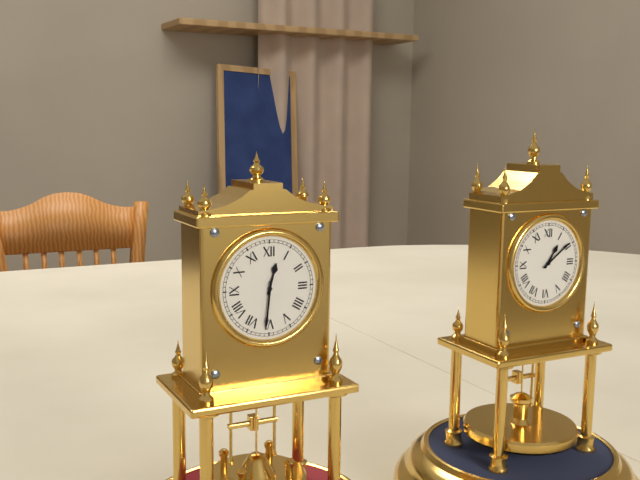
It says **12:31**
